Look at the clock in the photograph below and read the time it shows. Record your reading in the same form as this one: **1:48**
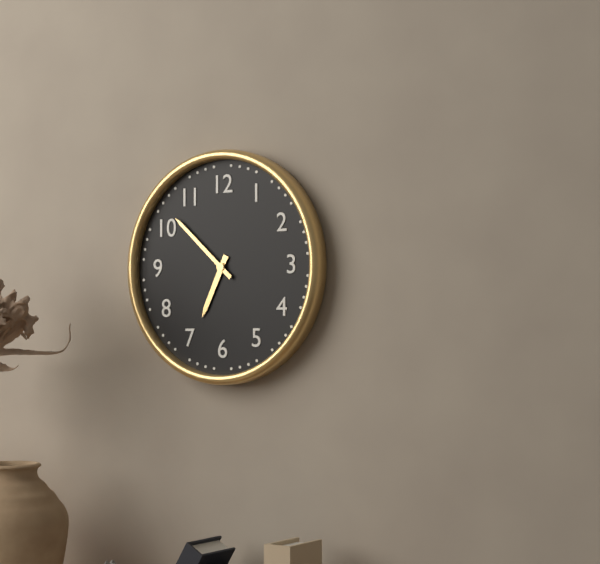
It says **6:52**
